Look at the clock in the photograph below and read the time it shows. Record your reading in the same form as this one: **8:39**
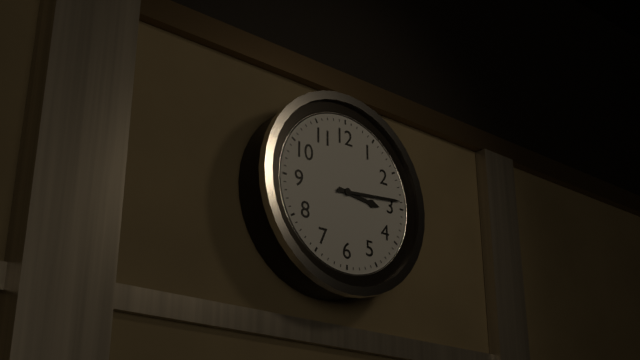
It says **3:14**
